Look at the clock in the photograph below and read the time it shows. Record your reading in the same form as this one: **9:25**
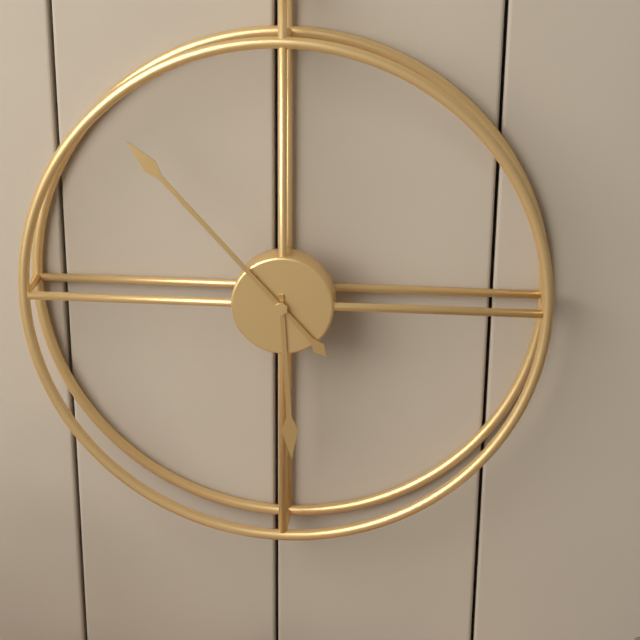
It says **5:53**
